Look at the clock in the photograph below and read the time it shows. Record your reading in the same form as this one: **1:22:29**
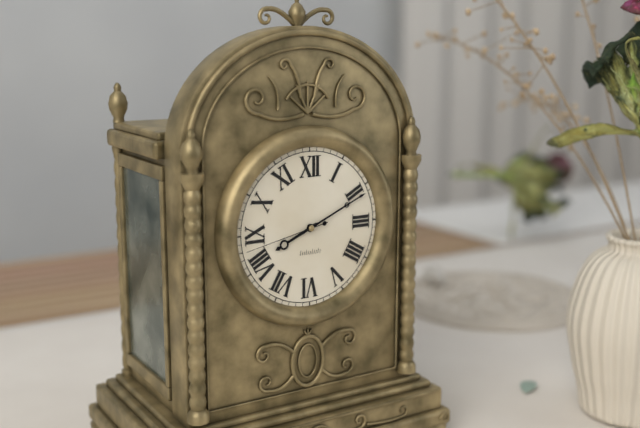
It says **8:11:43**
